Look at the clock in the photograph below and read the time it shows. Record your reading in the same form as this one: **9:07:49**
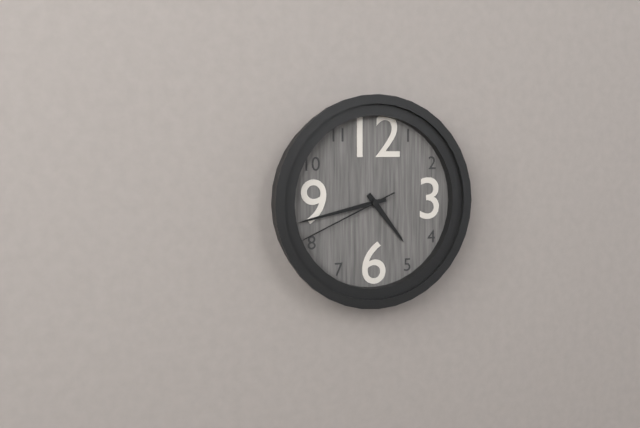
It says **4:43:41**
